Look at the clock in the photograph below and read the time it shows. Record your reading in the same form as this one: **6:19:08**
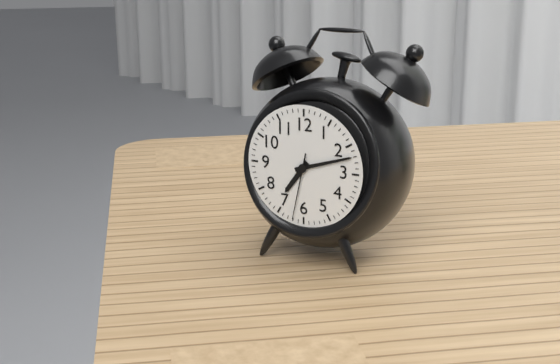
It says **7:12:32**
